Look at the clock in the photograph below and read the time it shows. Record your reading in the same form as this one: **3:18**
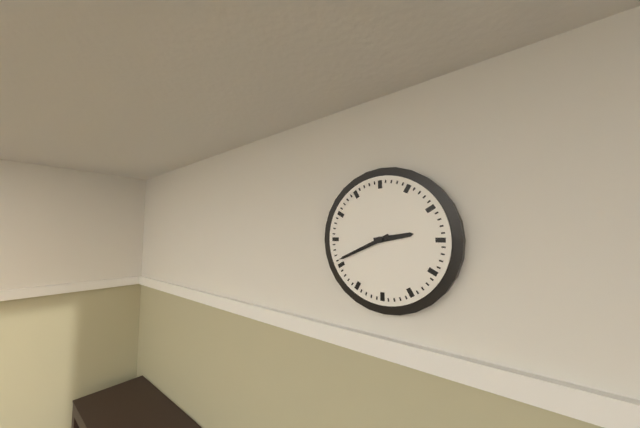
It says **2:41**
